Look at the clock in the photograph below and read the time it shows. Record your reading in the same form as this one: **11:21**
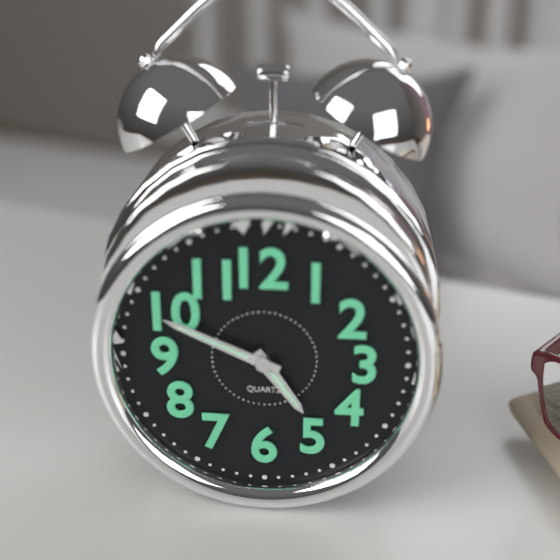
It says **4:49**
